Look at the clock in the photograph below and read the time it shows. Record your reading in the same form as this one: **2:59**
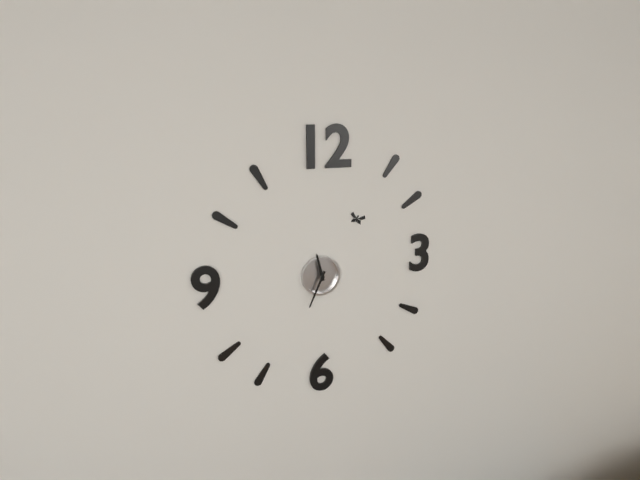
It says **11:34**
